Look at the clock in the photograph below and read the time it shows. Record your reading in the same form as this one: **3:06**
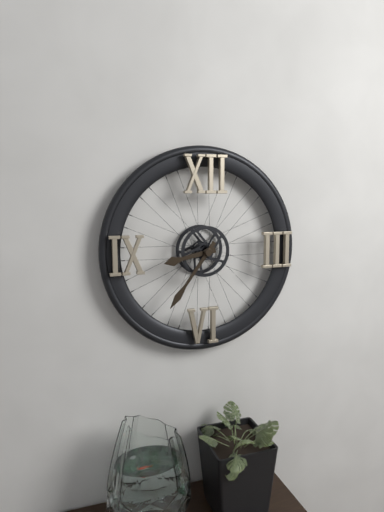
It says **8:36**
